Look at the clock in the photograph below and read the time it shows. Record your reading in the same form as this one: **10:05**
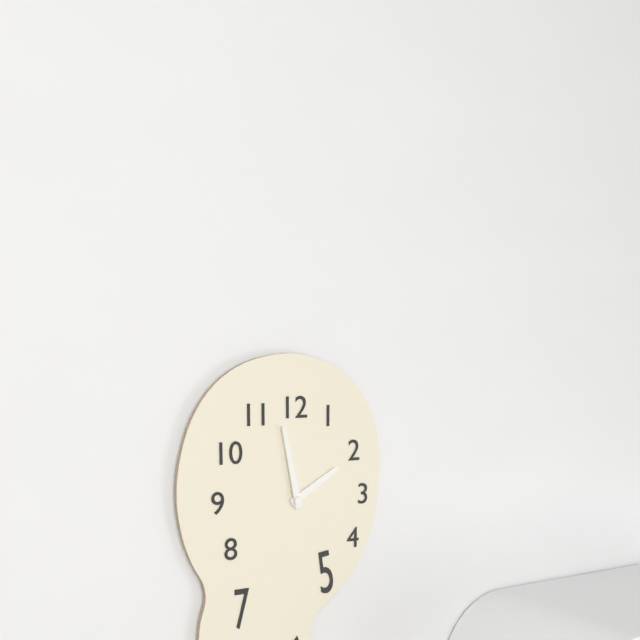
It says **1:58**
